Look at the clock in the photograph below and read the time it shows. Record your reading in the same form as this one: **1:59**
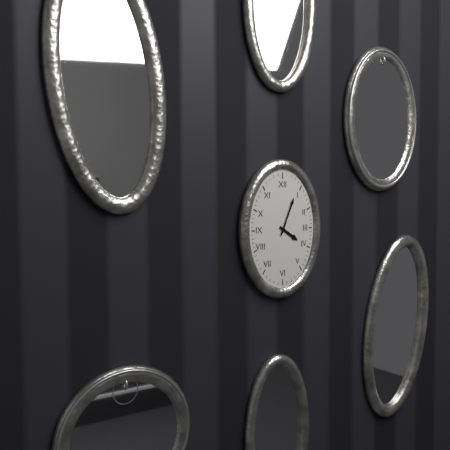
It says **4:04**
